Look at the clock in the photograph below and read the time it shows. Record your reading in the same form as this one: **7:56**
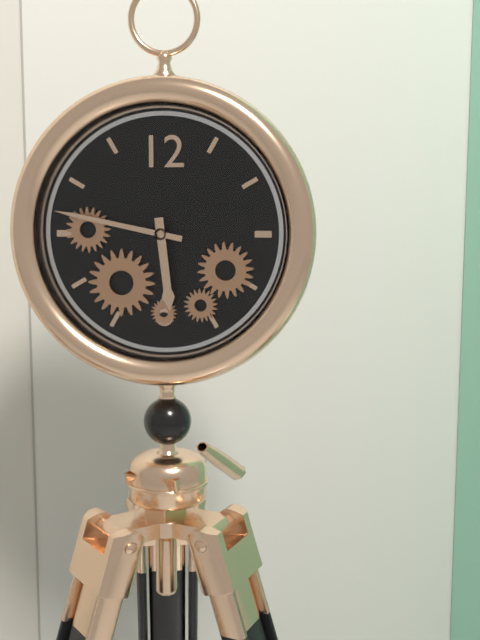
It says **5:47**
